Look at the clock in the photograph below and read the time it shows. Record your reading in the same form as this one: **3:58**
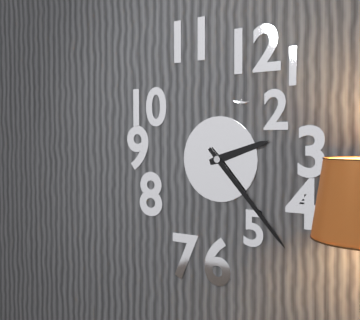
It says **2:23**
